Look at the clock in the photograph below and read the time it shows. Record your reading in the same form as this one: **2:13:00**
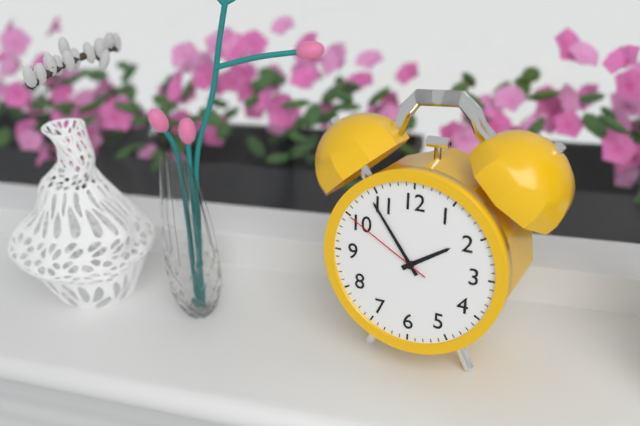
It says **1:54:50**
